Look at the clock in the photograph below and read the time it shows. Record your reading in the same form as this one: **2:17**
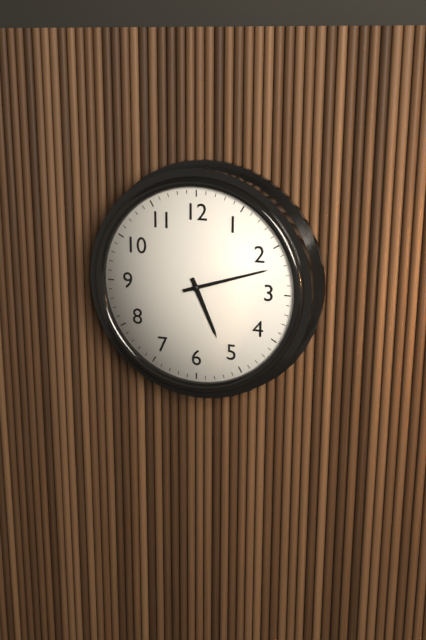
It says **5:12**
